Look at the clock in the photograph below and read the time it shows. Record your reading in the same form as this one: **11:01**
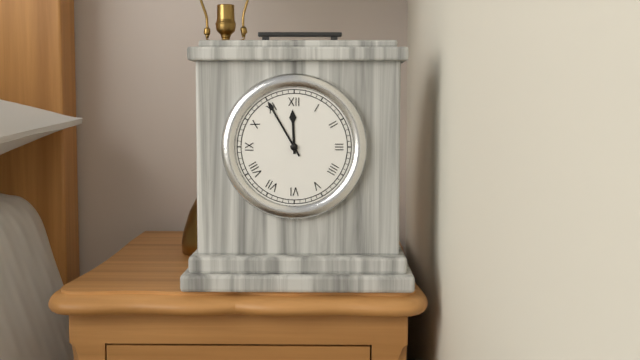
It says **11:55**
